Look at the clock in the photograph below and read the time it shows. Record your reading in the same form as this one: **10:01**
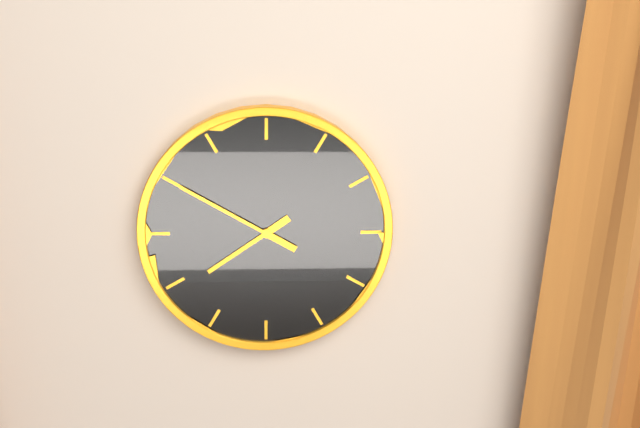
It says **7:50**
